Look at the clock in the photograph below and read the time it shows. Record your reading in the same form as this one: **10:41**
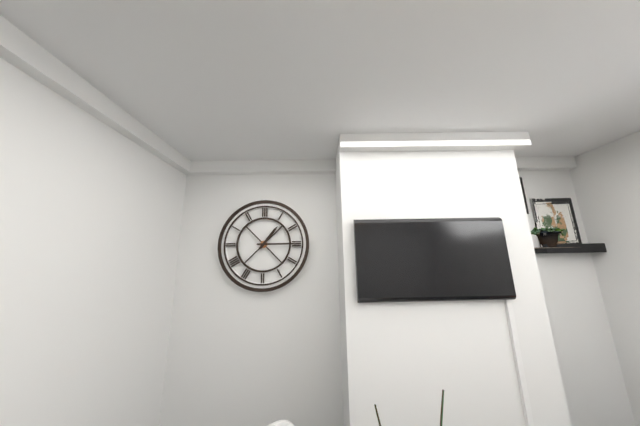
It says **1:15**
